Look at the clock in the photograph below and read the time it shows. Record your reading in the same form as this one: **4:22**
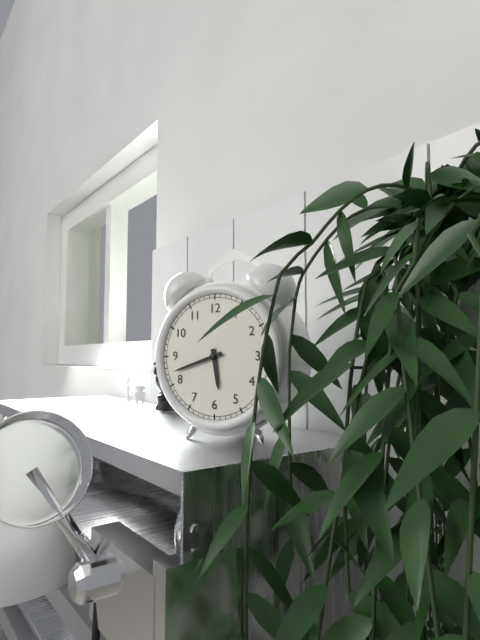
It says **5:42**
